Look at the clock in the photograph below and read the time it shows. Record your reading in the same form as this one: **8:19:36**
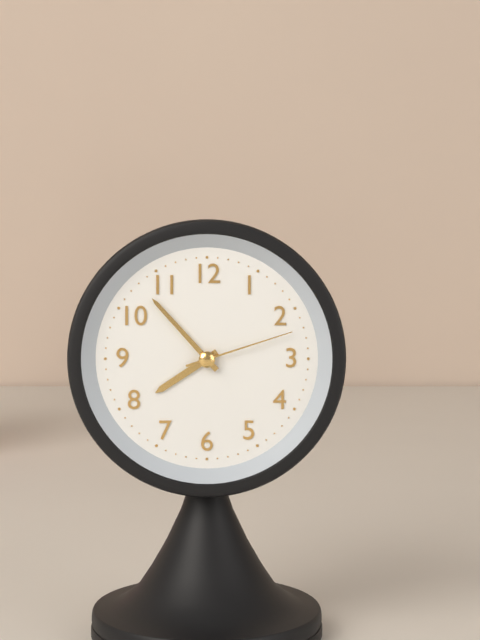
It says **7:53:12**
